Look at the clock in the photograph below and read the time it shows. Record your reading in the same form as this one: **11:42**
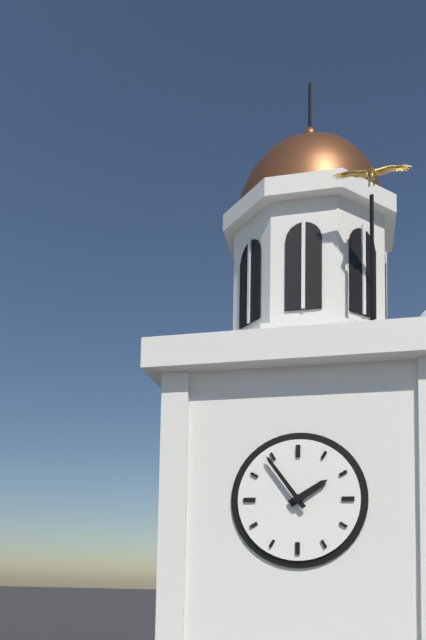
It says **1:54**
